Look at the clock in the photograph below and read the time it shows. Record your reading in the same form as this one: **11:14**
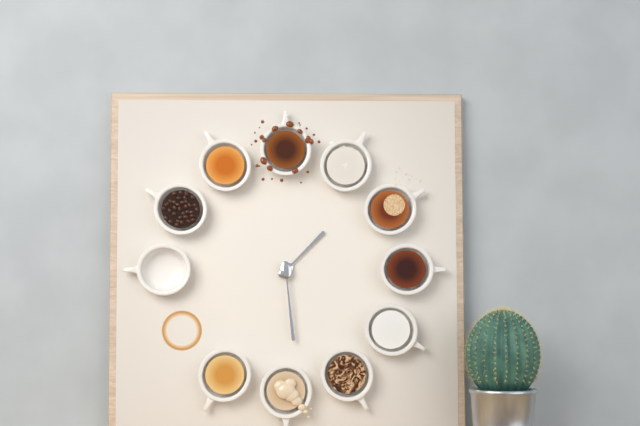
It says **1:29**
